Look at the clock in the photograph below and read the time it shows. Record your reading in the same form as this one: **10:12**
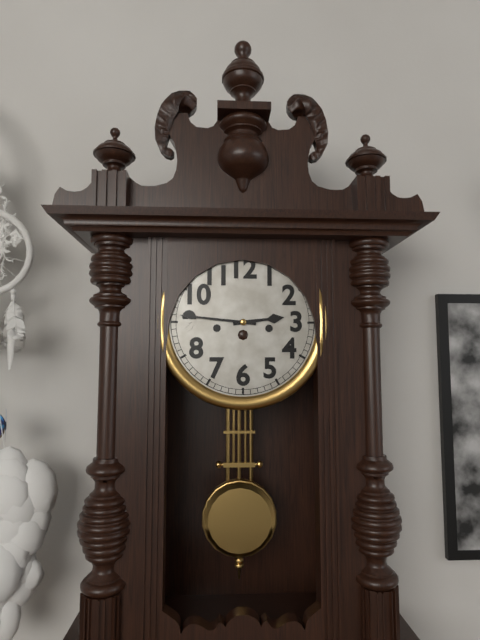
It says **2:46**
